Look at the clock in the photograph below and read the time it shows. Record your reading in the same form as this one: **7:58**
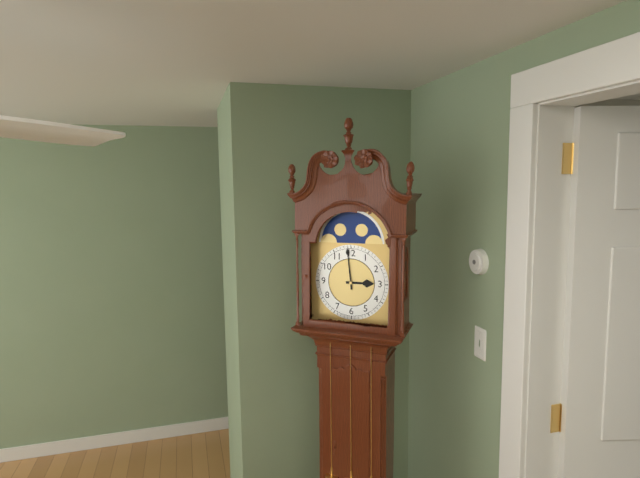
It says **2:59**
